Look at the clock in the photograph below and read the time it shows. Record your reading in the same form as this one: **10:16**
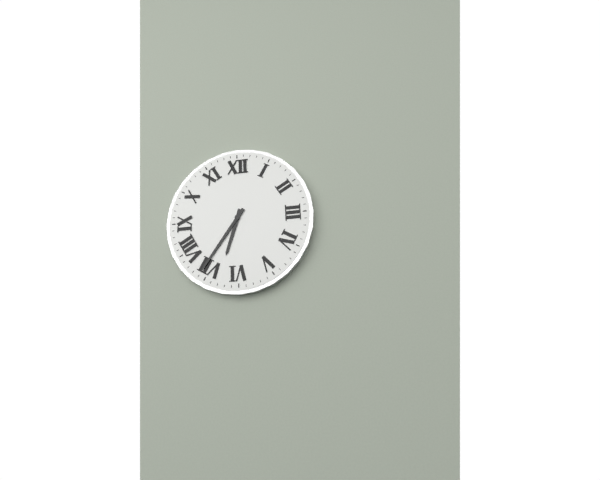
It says **6:36**
